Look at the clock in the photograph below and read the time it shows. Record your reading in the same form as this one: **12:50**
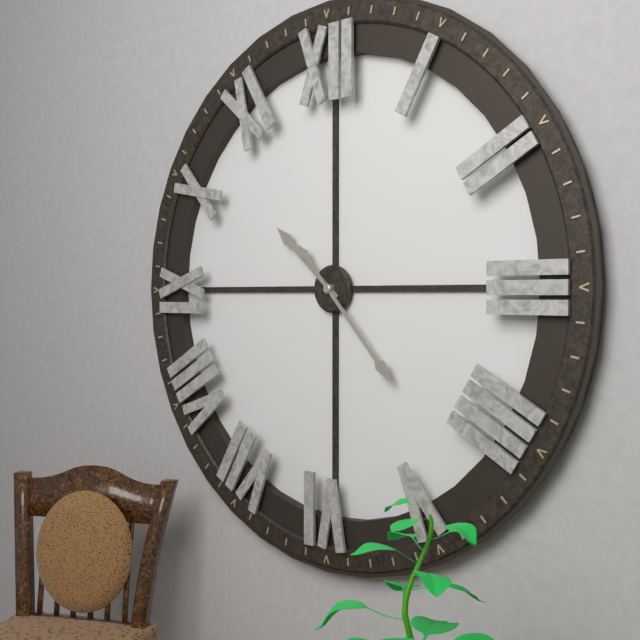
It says **10:23**
